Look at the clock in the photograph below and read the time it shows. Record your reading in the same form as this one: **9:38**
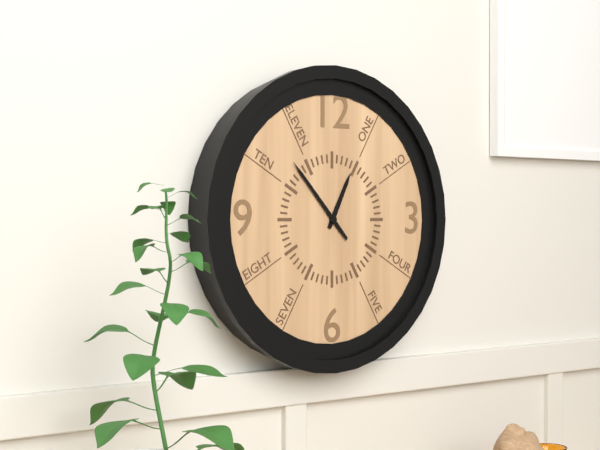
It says **12:53**
